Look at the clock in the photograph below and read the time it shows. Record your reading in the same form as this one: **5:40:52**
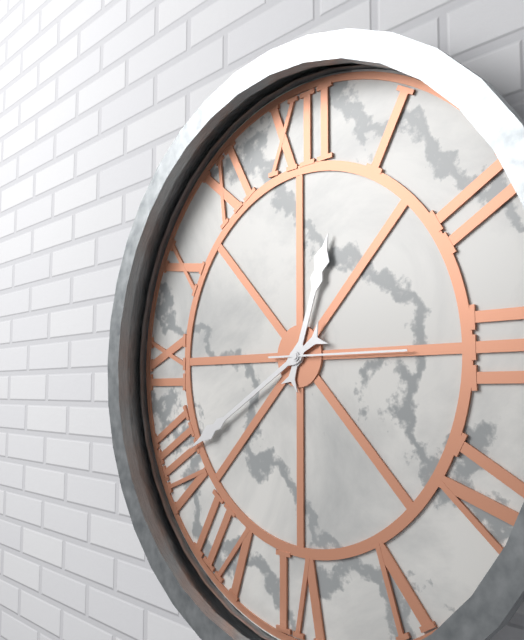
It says **12:40:15**
